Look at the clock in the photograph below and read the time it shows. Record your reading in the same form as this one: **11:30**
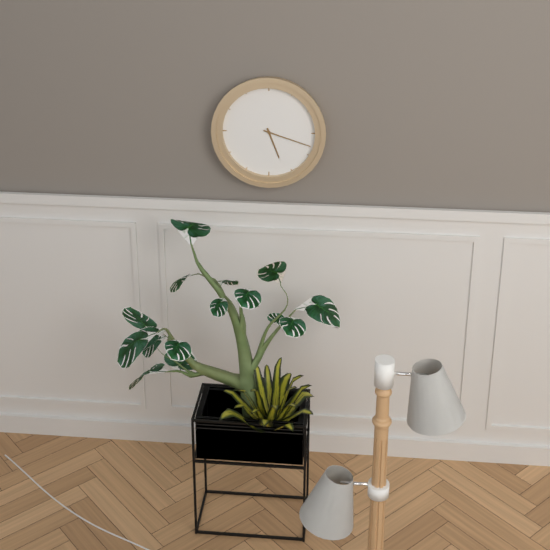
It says **5:18**
